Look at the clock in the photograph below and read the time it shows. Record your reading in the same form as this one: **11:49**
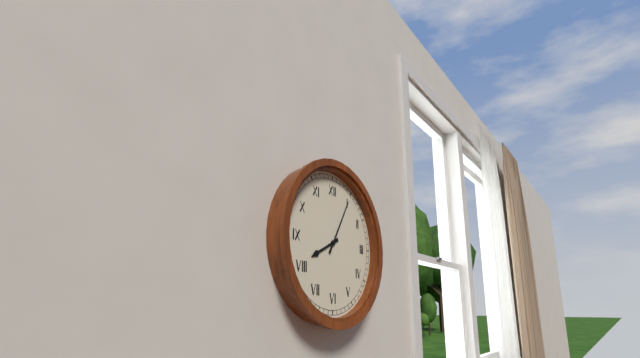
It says **8:05**
